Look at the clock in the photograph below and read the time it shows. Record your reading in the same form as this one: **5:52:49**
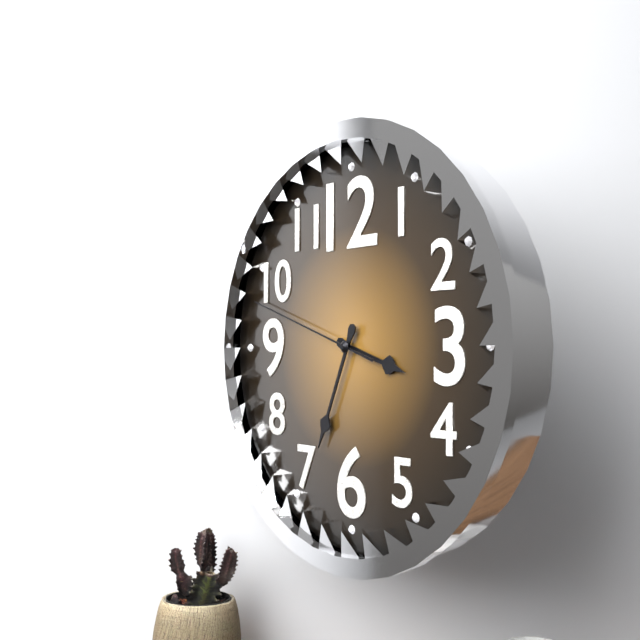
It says **3:34:48**
